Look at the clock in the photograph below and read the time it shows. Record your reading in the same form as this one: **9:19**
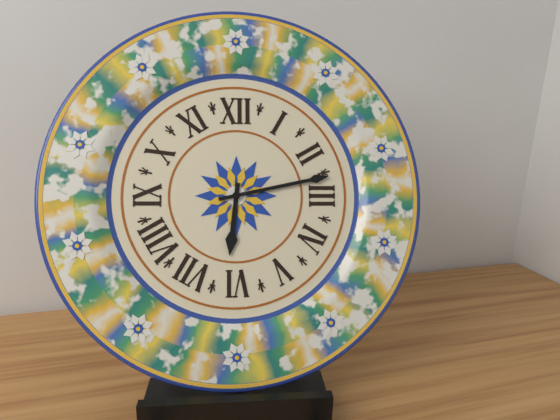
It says **6:13**
